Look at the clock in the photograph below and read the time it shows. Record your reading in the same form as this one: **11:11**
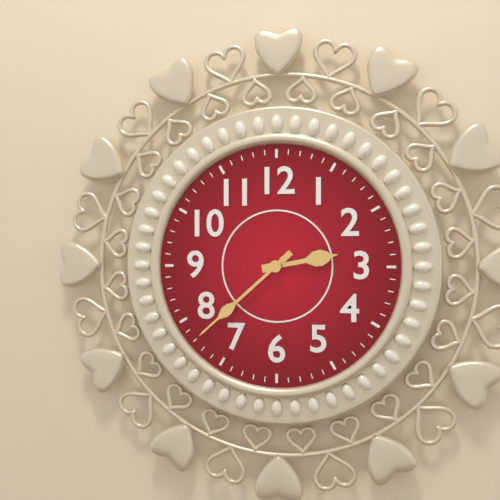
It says **2:38**
